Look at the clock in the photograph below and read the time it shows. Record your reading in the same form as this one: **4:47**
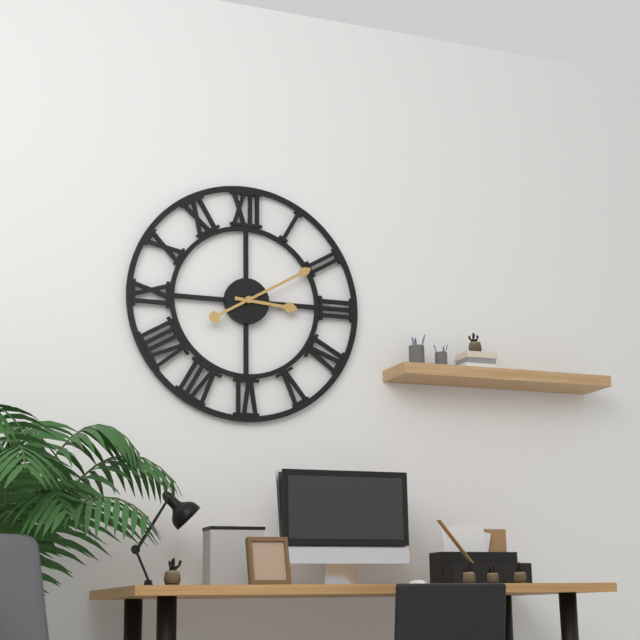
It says **3:10**
